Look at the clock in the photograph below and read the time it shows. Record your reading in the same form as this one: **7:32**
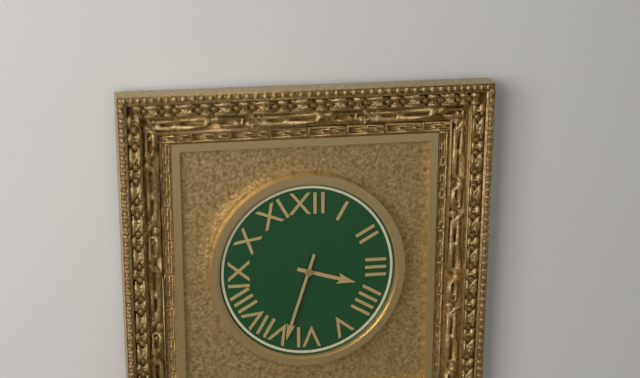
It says **3:33**
